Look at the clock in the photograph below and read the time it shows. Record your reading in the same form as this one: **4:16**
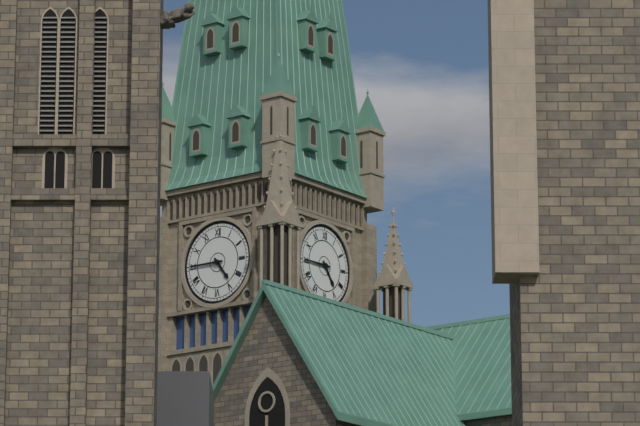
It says **4:45**
